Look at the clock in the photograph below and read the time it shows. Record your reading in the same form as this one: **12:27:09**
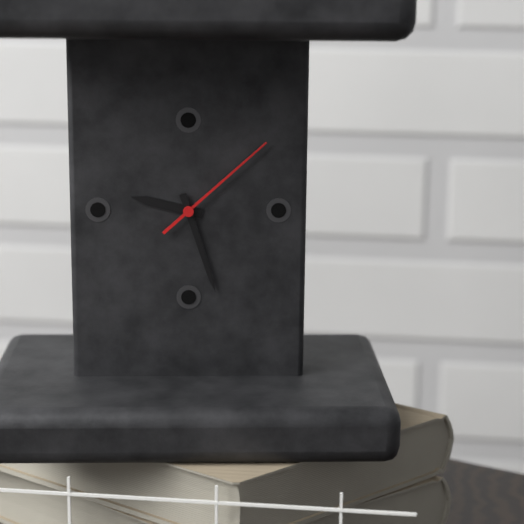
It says **9:27:08**
